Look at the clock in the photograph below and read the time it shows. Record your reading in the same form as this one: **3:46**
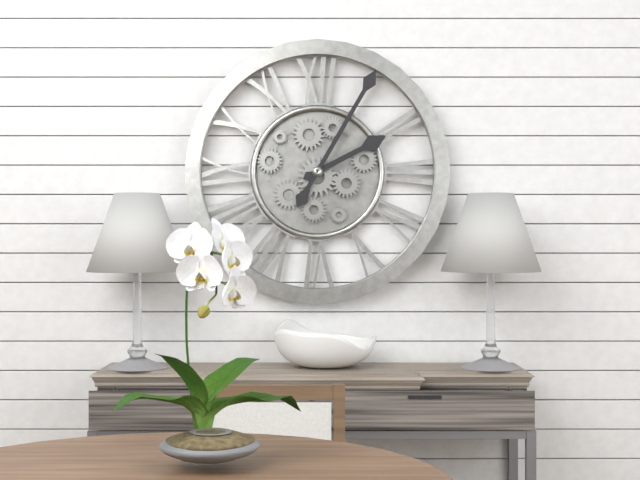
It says **2:05**
